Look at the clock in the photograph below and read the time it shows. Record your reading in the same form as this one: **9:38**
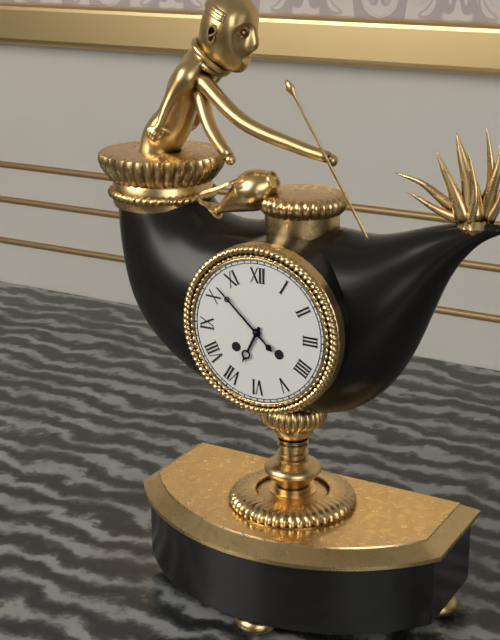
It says **6:52**
